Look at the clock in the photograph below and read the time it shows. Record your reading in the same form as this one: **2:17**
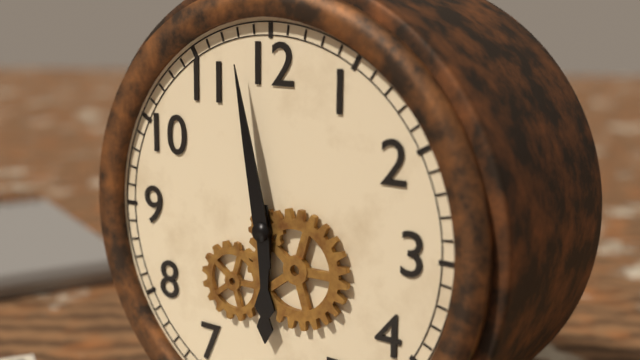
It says **5:58**
